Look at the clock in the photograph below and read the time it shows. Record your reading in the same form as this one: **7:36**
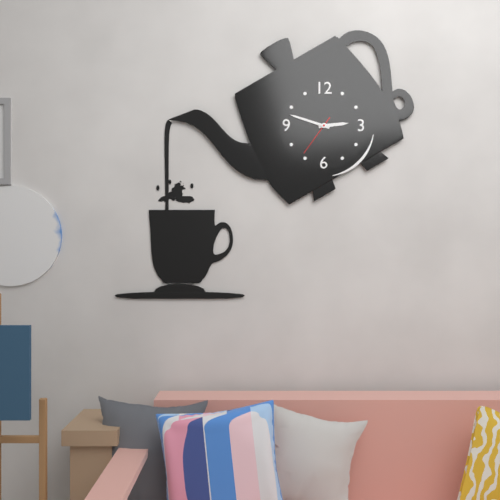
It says **2:48**
